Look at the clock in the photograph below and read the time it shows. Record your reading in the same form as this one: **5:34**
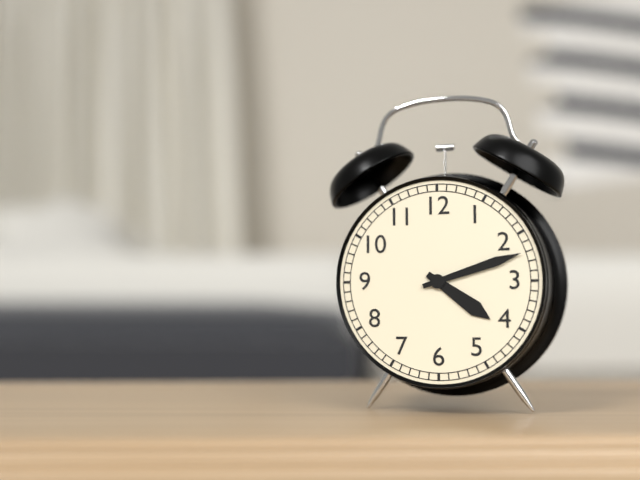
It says **4:12**
